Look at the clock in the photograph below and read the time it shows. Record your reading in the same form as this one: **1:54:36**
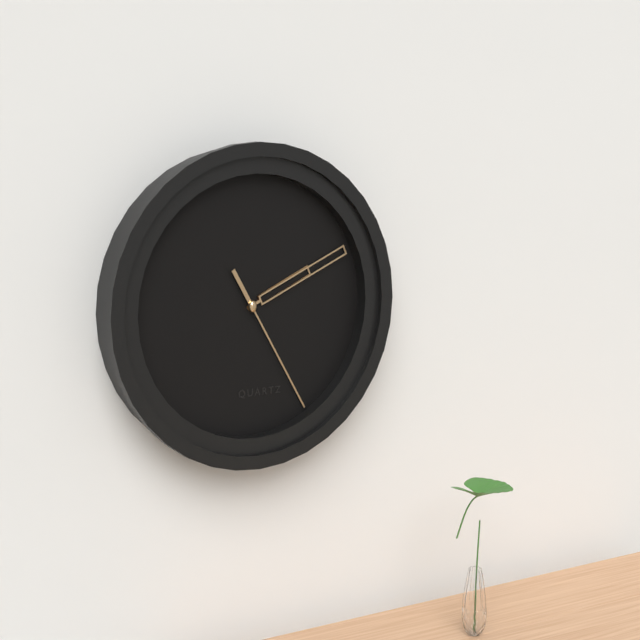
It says **2:11:25**
